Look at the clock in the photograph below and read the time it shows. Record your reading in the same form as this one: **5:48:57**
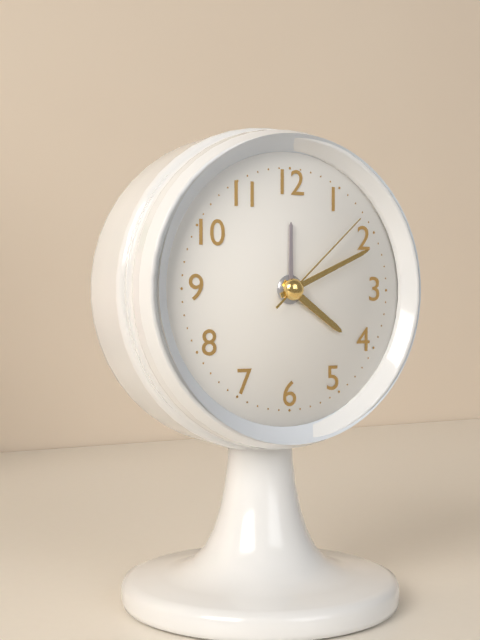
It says **4:11:08**
